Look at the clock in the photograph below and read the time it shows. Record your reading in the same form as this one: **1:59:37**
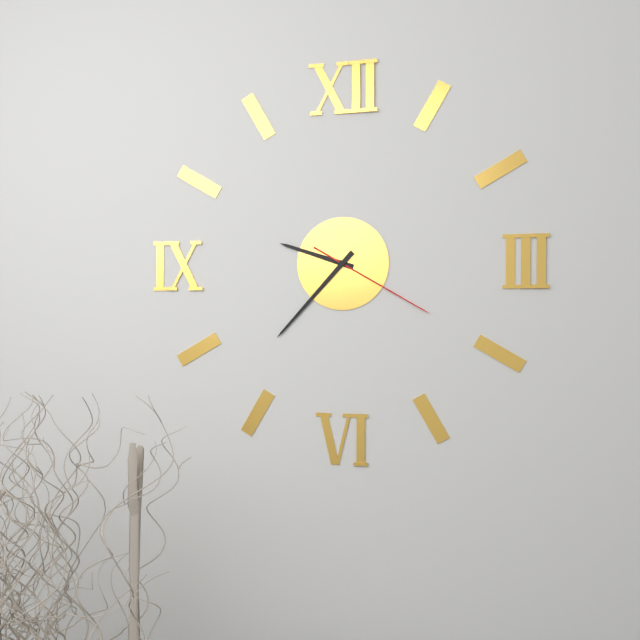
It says **9:37:20**
